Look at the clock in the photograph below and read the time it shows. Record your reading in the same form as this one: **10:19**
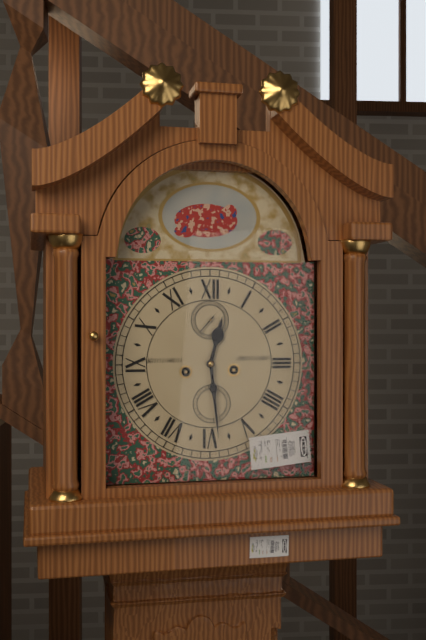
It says **12:29**
